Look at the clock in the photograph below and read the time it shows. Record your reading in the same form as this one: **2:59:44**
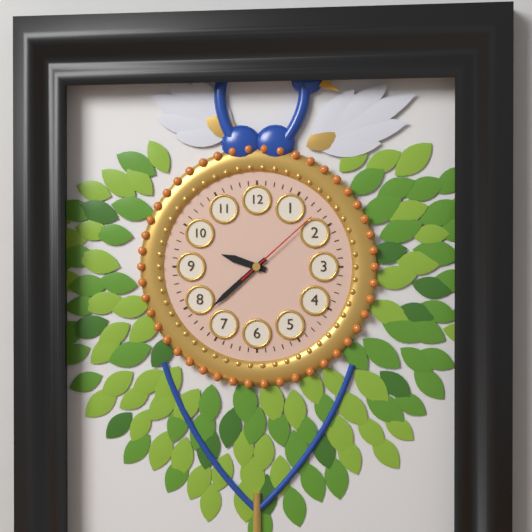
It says **9:38:08**
